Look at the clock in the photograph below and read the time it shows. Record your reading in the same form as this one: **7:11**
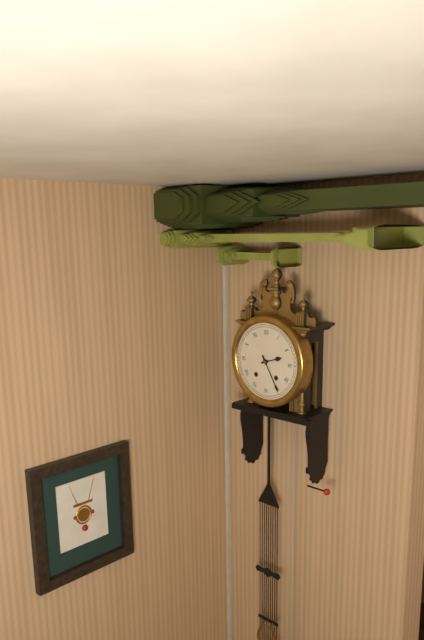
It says **2:25**
